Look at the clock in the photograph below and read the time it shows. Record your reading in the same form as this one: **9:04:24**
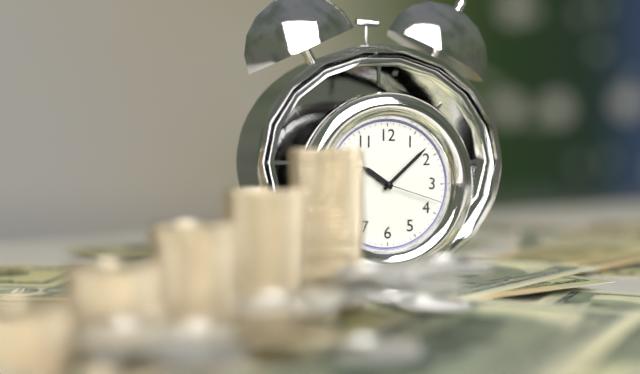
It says **10:08:18**
